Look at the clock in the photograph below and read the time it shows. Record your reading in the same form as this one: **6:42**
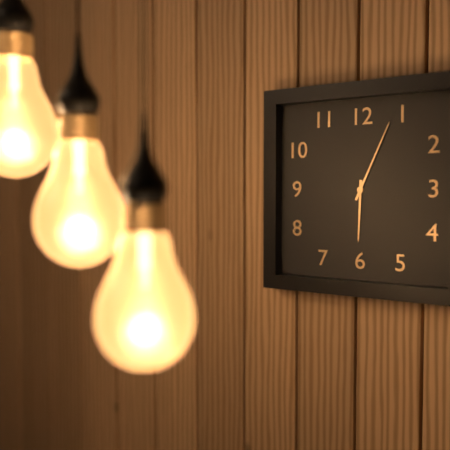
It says **6:04**
